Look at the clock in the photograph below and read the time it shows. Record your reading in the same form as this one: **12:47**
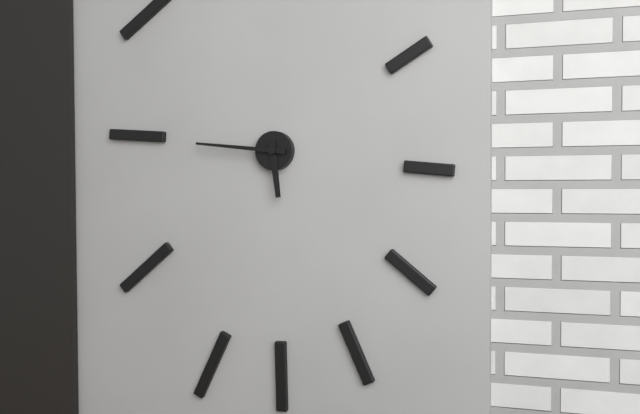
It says **5:46**
